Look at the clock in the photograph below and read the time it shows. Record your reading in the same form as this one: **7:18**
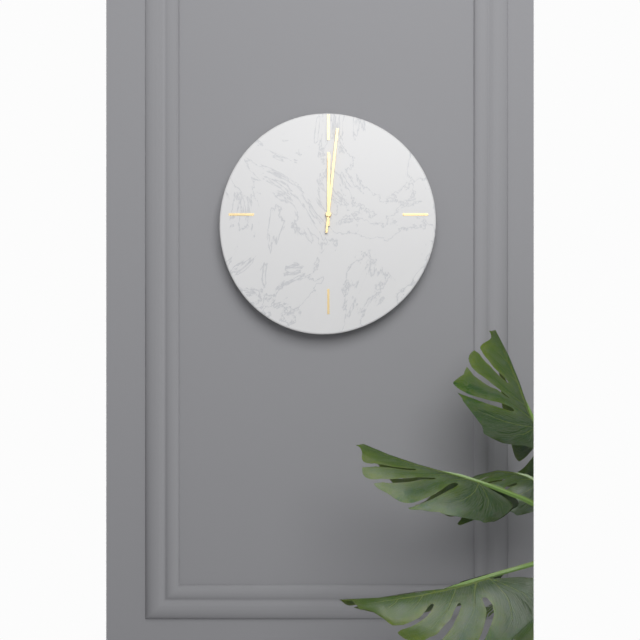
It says **12:01**
